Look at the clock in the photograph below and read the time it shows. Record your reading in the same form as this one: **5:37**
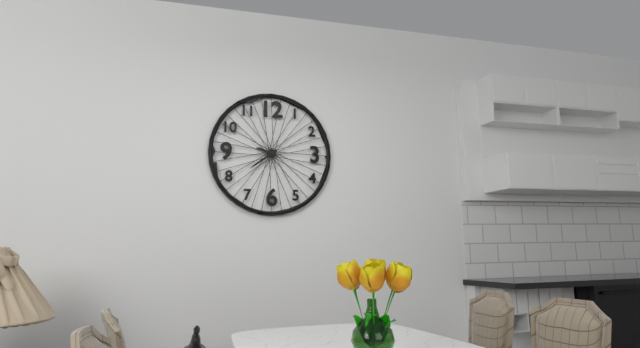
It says **9:39**
